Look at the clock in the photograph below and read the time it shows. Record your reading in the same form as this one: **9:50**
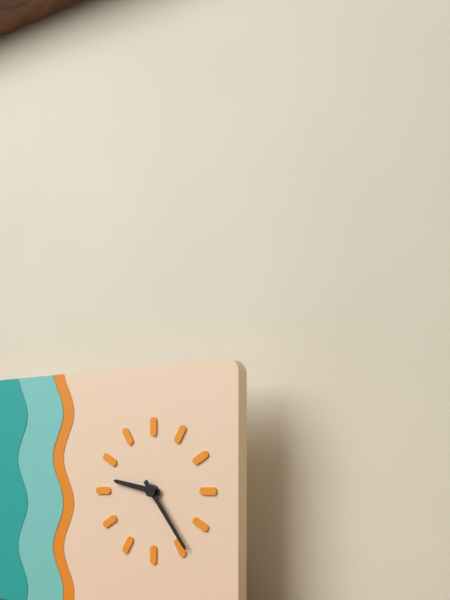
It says **9:24**
